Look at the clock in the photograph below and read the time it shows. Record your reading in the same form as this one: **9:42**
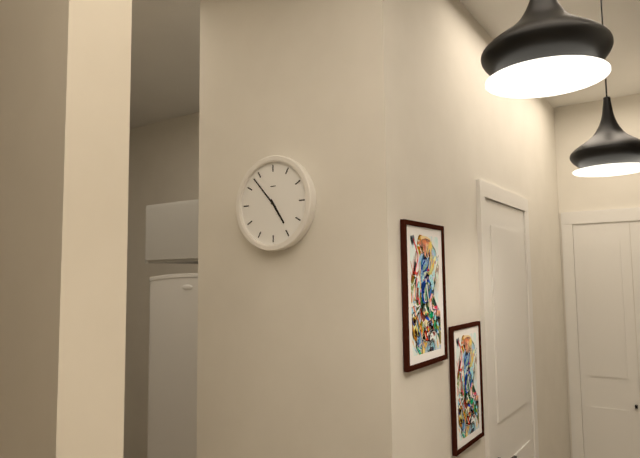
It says **4:53**
